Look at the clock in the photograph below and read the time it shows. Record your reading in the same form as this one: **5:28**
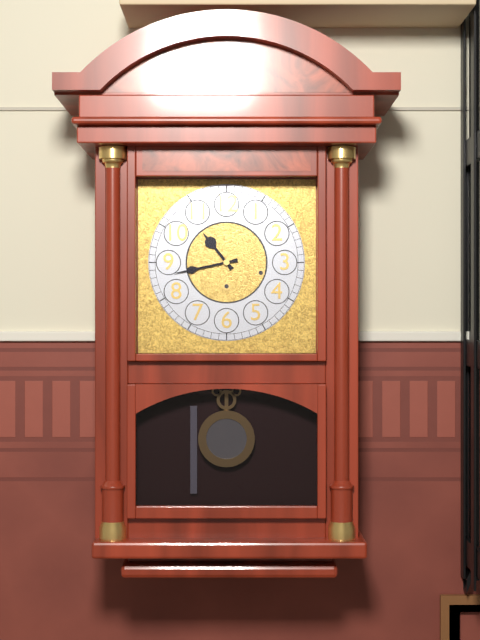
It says **10:43**
